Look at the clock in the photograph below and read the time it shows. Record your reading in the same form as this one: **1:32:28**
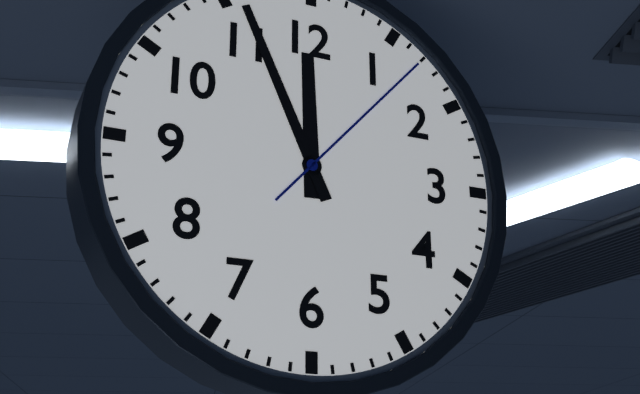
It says **11:56:07**
